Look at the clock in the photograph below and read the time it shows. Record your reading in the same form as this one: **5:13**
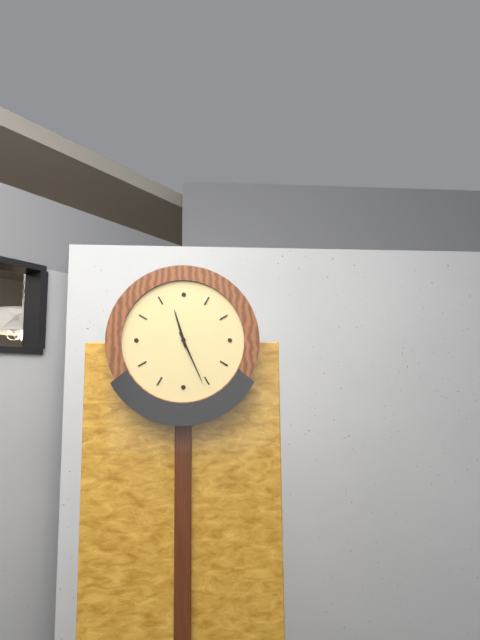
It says **11:26**
